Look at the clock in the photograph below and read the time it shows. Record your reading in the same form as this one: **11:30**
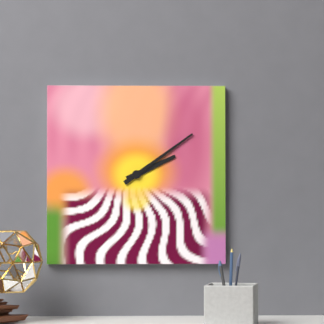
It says **2:09**
